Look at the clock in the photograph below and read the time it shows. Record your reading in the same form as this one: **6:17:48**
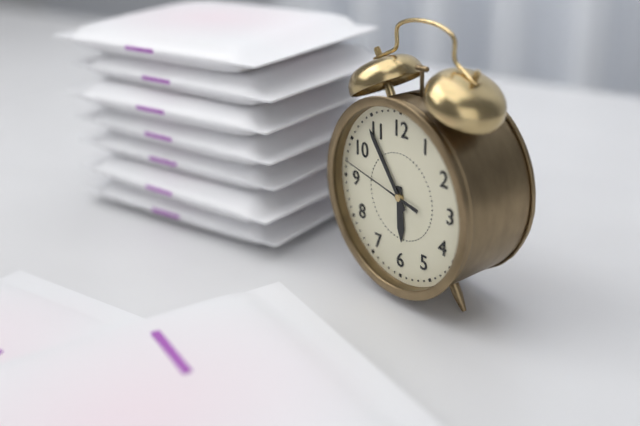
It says **5:54:47**
